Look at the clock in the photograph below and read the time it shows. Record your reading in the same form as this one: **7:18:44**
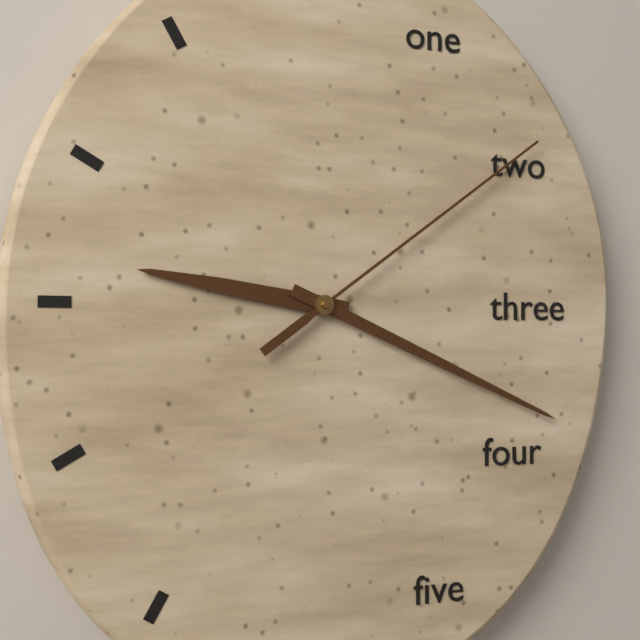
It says **9:19:09**
